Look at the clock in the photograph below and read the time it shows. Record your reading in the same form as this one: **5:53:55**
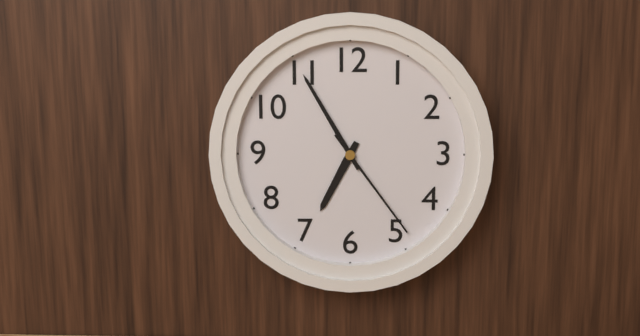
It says **6:55:24**
